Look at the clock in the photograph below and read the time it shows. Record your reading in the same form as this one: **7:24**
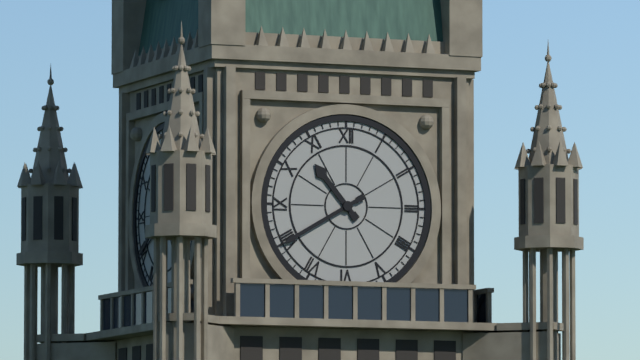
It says **10:40**
